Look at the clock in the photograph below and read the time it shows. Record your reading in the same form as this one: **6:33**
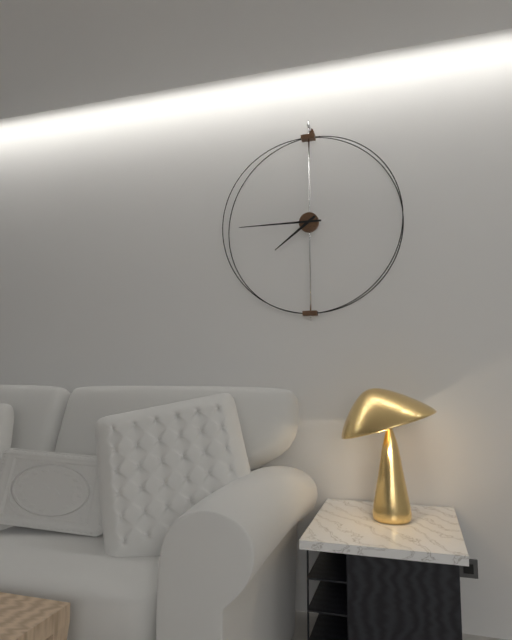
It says **7:45**
